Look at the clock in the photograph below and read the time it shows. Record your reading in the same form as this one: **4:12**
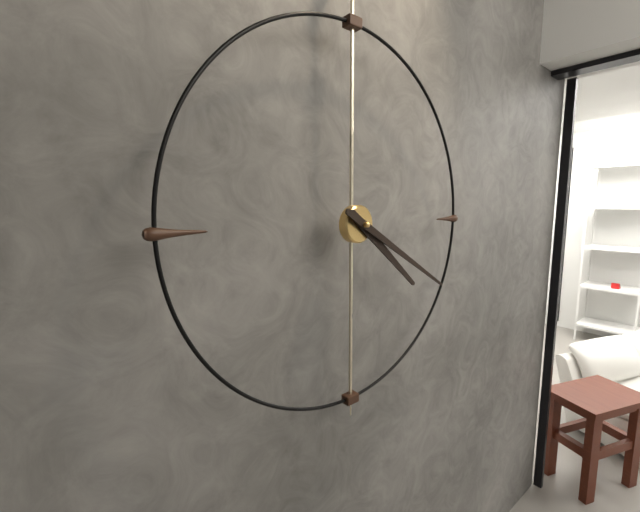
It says **4:20**
